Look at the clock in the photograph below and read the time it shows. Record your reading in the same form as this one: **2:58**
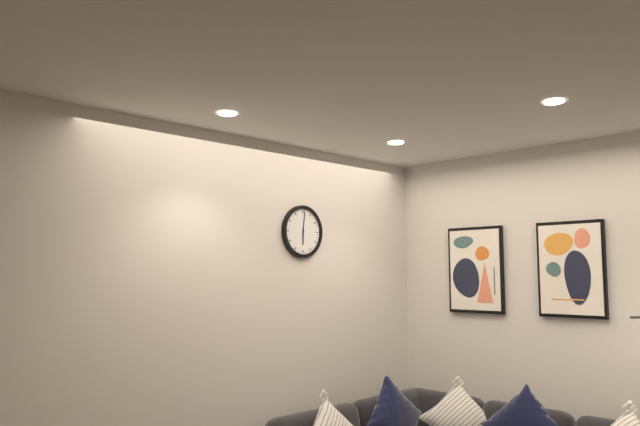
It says **6:01**
